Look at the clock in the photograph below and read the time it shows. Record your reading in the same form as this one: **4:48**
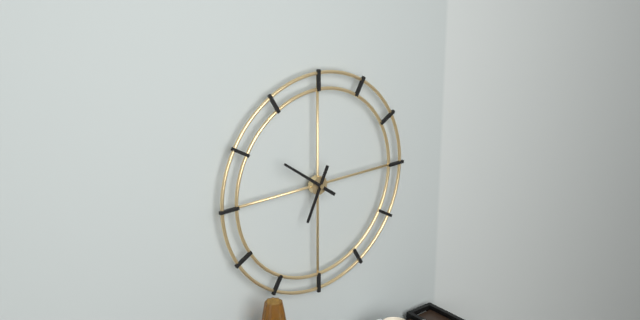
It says **6:51**
